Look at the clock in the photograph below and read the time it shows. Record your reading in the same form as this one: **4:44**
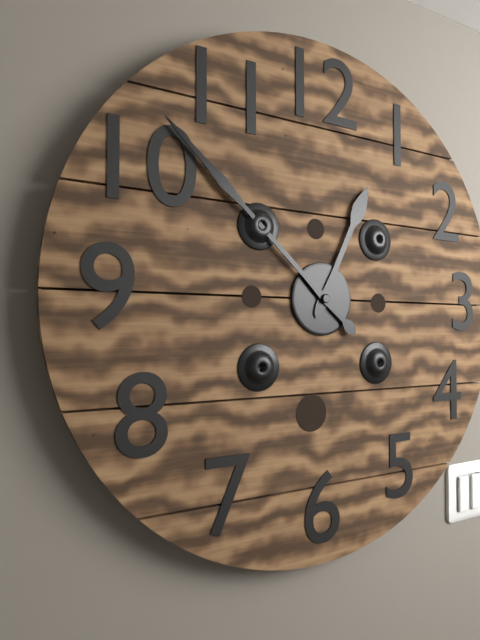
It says **12:52**
